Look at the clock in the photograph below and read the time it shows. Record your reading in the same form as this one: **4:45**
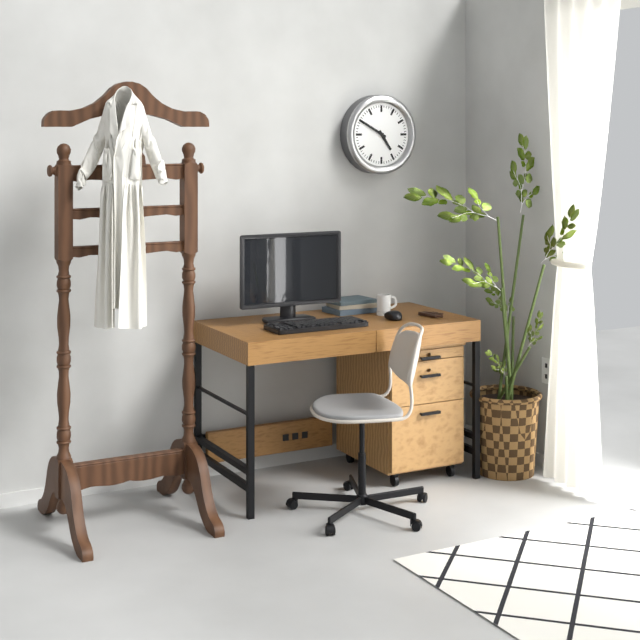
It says **4:50**
